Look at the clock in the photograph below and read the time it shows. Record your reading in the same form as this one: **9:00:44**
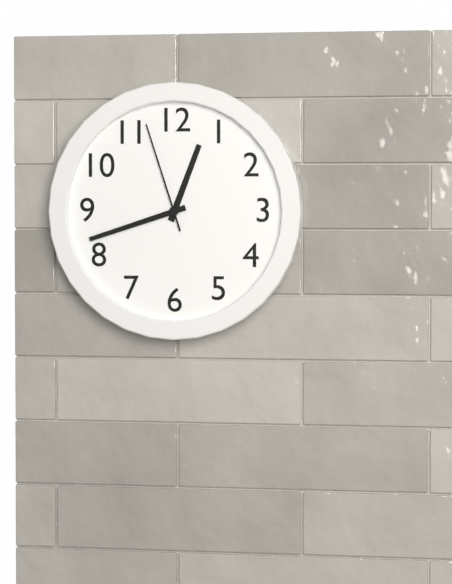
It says **12:42:57**
